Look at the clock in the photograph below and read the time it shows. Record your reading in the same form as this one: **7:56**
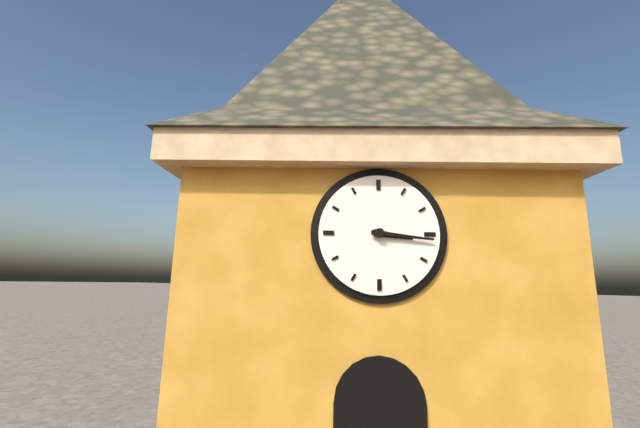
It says **3:16**
